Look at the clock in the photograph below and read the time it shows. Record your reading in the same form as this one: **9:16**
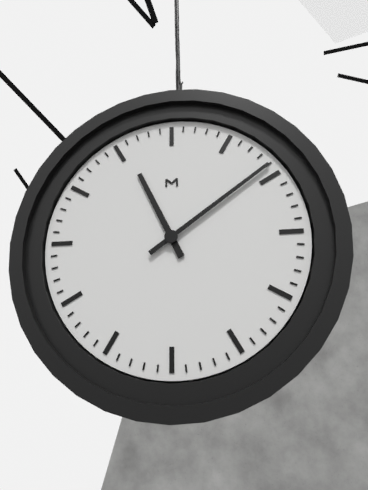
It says **11:09**
